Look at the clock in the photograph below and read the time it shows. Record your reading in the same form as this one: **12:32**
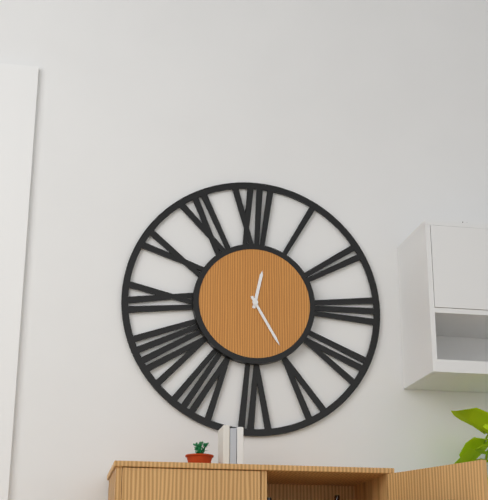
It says **12:25**
